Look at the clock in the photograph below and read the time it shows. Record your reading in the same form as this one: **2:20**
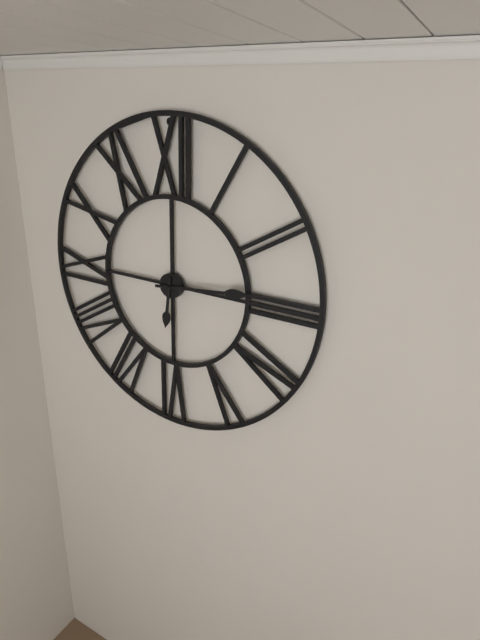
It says **6:14**
